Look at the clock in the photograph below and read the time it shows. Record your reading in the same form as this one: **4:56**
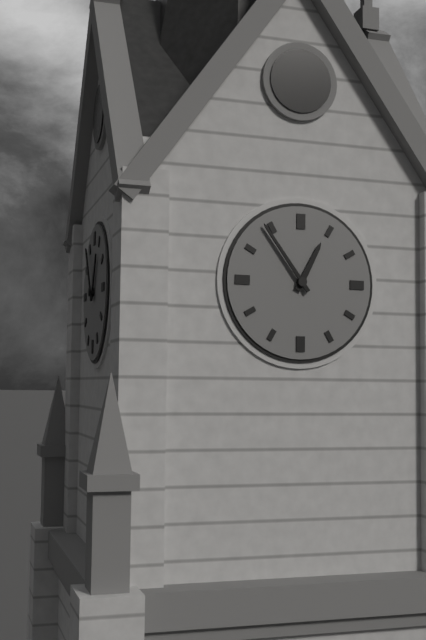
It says **12:54**
